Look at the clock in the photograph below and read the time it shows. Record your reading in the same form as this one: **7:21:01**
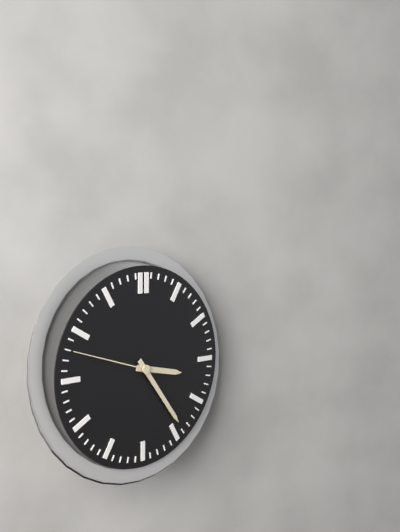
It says **3:24:48**
